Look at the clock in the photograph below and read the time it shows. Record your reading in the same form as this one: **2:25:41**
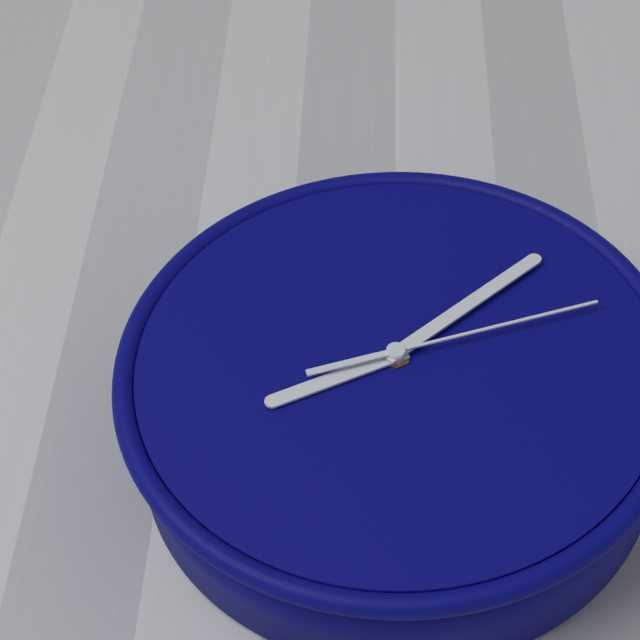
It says **8:08:12**
